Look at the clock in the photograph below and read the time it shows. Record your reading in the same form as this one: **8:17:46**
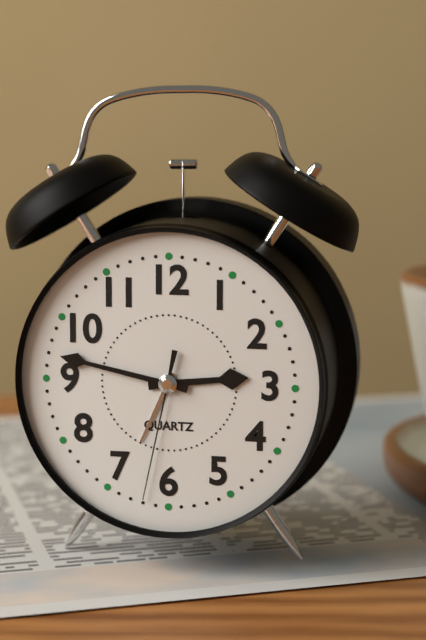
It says **2:47:32**
